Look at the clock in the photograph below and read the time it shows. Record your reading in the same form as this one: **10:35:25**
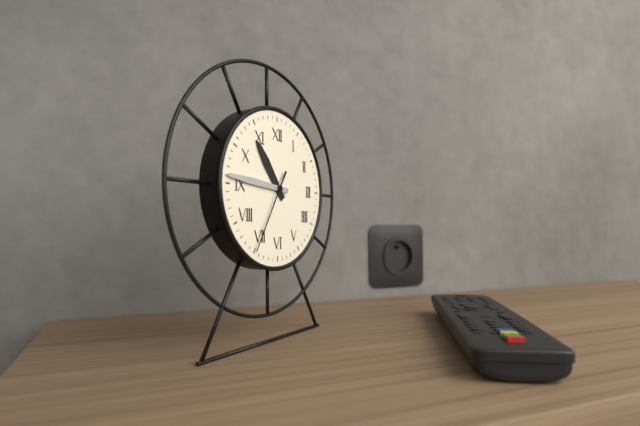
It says **10:46:35**
